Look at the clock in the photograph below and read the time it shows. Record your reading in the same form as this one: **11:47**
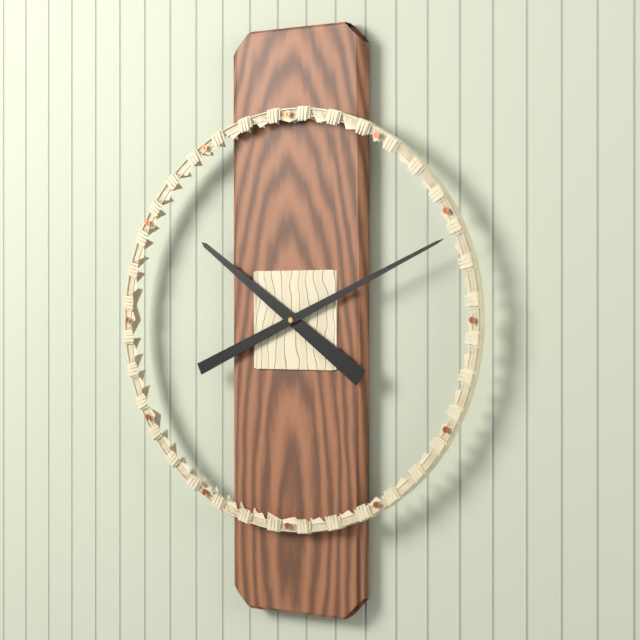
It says **10:11**
